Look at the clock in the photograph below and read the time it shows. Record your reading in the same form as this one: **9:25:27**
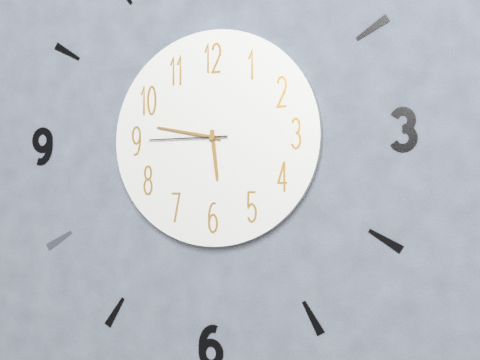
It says **5:47:45**
